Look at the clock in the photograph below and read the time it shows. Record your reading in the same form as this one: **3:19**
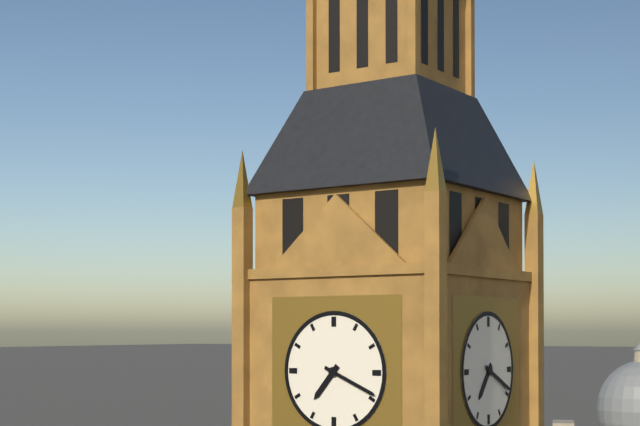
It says **7:19**
